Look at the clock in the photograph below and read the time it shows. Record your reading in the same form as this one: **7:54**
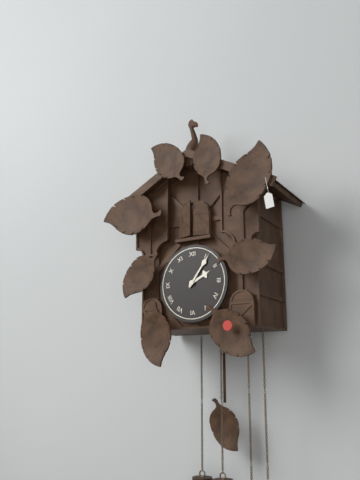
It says **2:06**
